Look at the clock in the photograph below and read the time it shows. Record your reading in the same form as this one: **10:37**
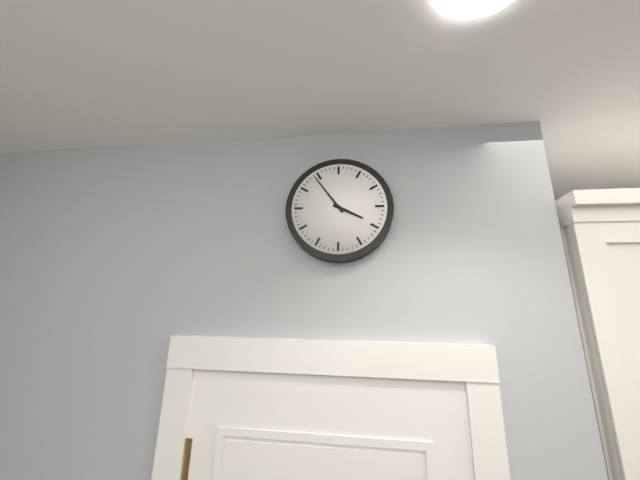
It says **3:54**
